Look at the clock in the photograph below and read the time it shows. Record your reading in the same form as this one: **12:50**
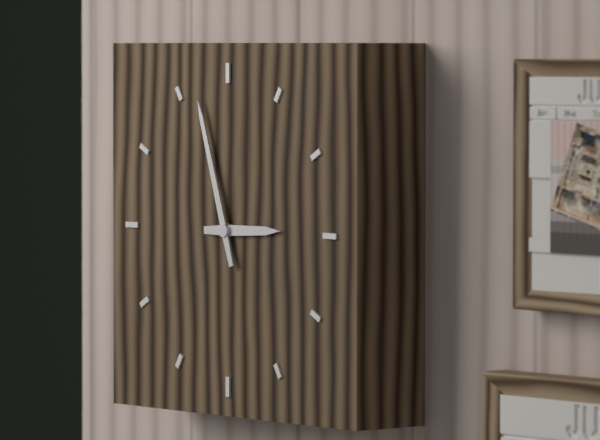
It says **2:57**
